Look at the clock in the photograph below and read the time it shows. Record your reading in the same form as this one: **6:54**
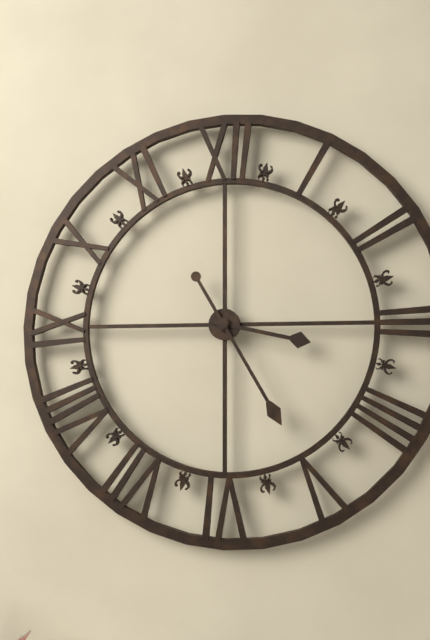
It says **3:25**
